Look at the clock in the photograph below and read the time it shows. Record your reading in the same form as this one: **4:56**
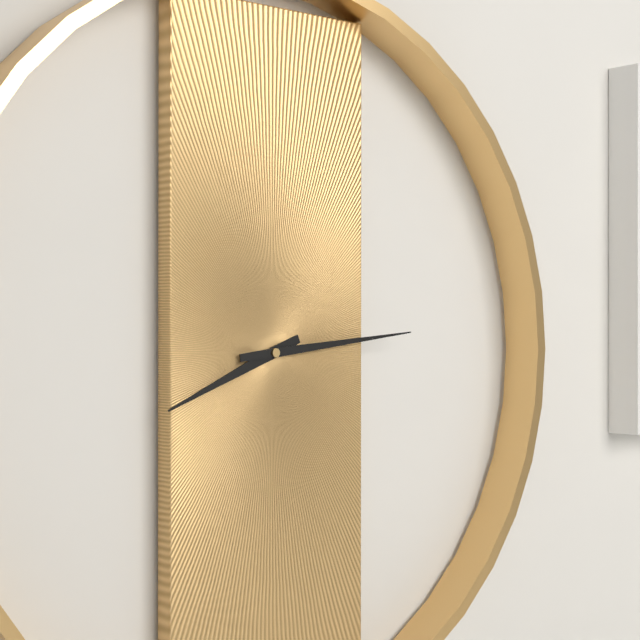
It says **8:14**
